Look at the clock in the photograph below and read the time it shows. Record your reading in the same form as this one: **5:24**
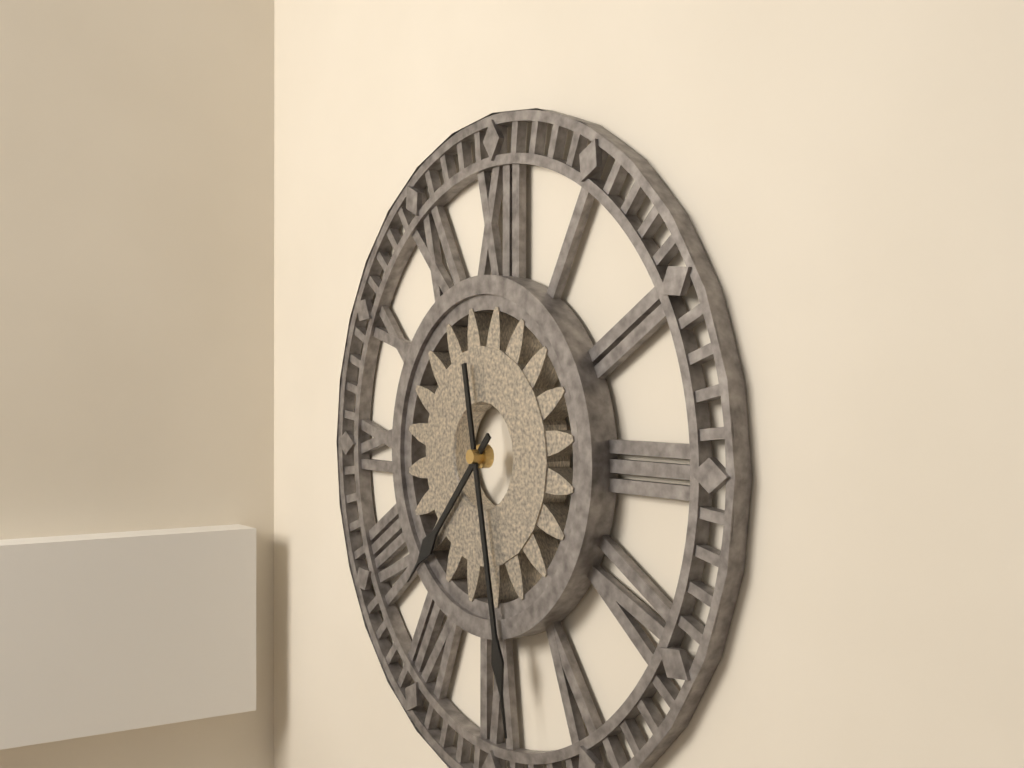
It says **7:28**
